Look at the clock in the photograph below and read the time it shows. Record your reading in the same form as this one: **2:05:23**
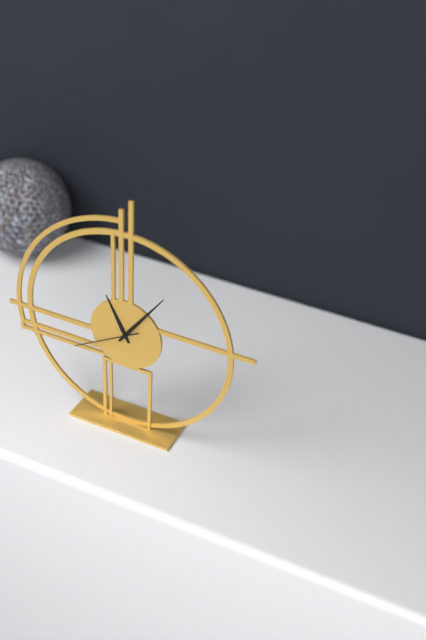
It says **11:06:40**
